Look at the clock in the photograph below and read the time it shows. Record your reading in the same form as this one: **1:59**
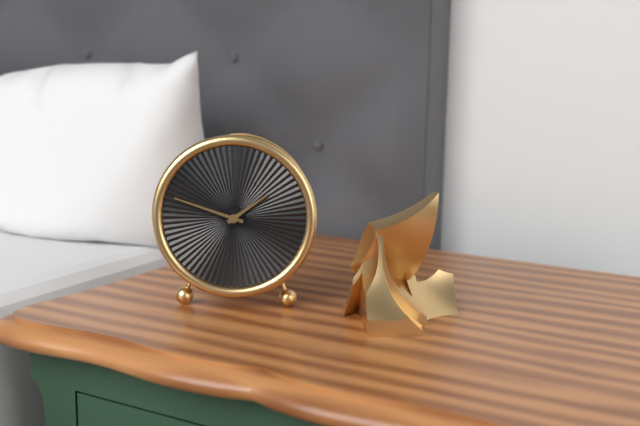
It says **1:48**
